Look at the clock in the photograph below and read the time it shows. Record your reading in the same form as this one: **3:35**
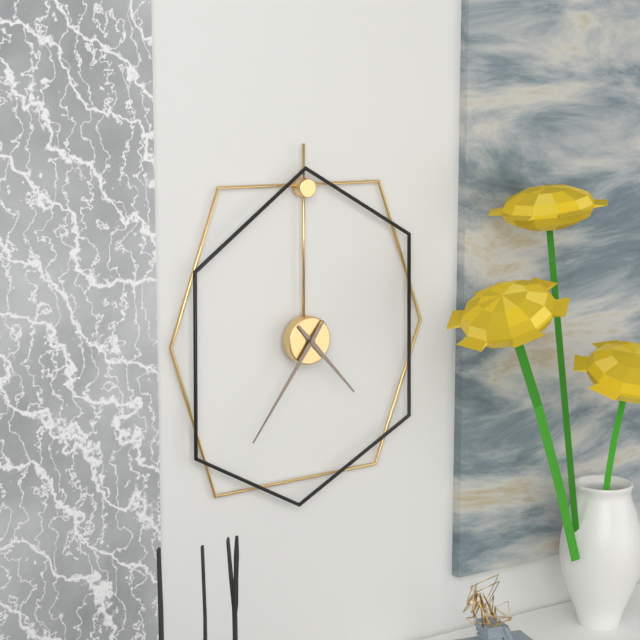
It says **4:36**
